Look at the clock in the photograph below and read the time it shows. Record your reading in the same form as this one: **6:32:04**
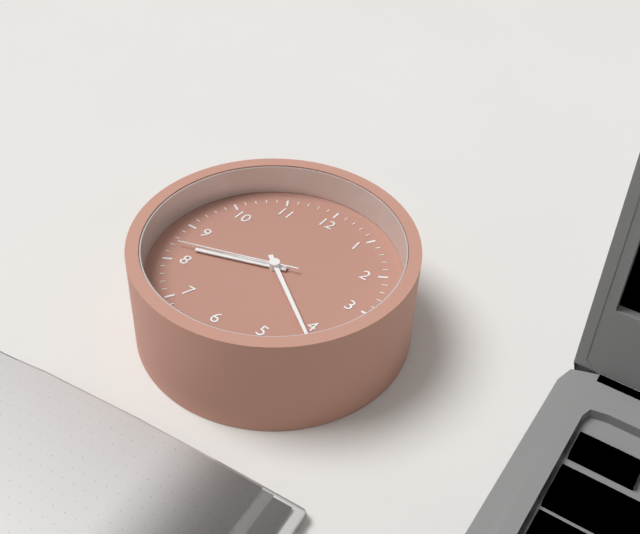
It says **8:21:42**
